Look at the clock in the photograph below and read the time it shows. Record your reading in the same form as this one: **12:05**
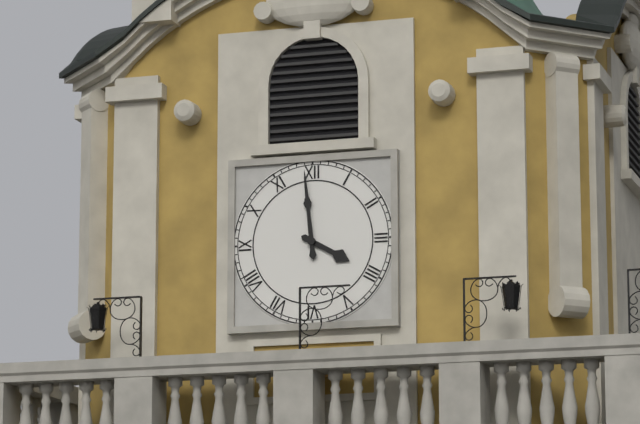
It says **3:59**
